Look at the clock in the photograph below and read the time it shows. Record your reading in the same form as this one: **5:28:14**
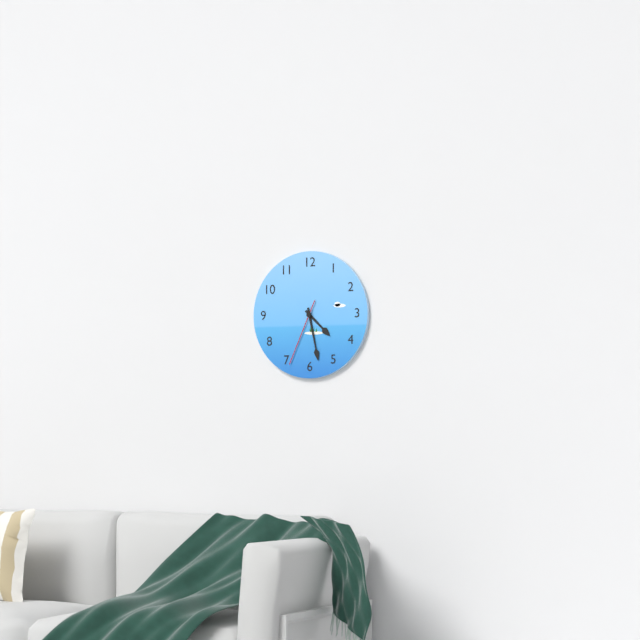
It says **4:28:34**
